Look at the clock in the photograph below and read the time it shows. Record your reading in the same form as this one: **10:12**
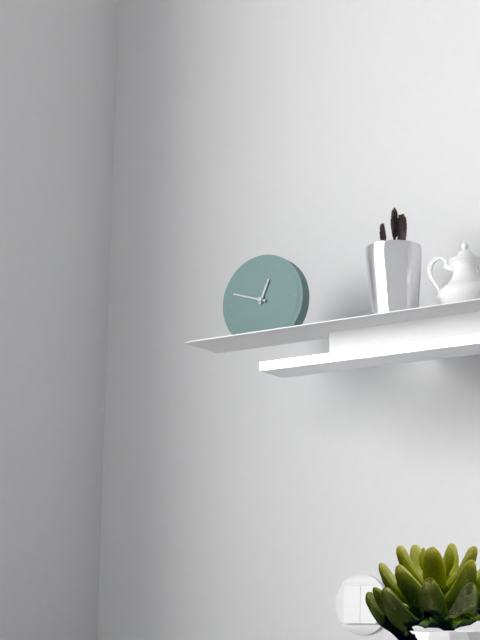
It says **12:48**
